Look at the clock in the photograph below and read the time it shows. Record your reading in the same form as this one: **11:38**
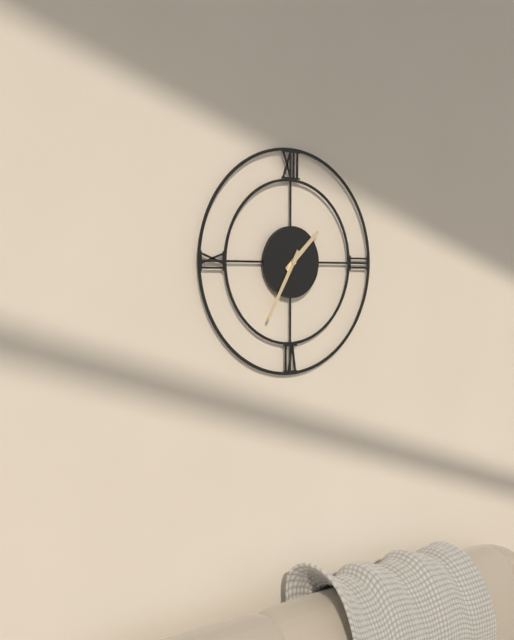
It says **1:35**
